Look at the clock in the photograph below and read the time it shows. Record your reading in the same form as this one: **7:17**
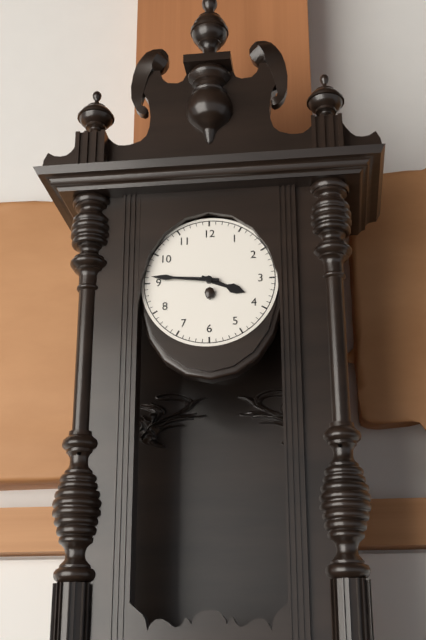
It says **3:46**
